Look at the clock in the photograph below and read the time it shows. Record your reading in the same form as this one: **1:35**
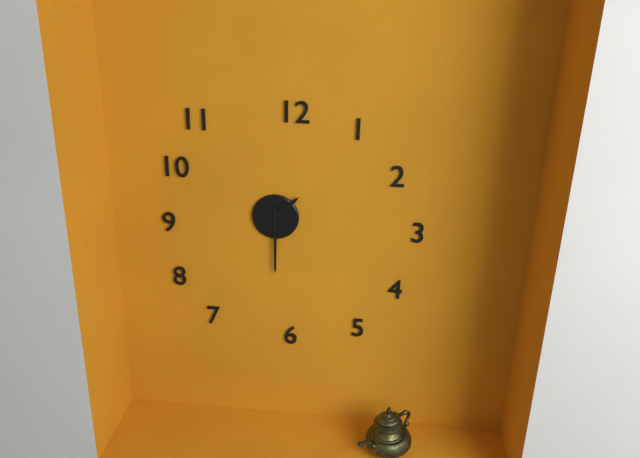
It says **1:30**
